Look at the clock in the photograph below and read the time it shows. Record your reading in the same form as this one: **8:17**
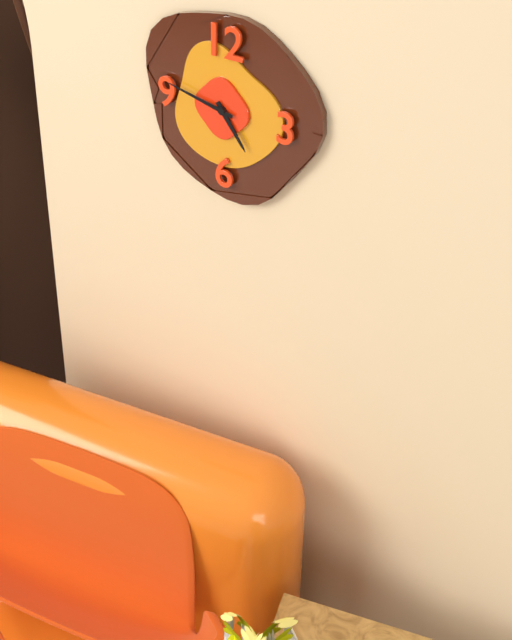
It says **4:47**
